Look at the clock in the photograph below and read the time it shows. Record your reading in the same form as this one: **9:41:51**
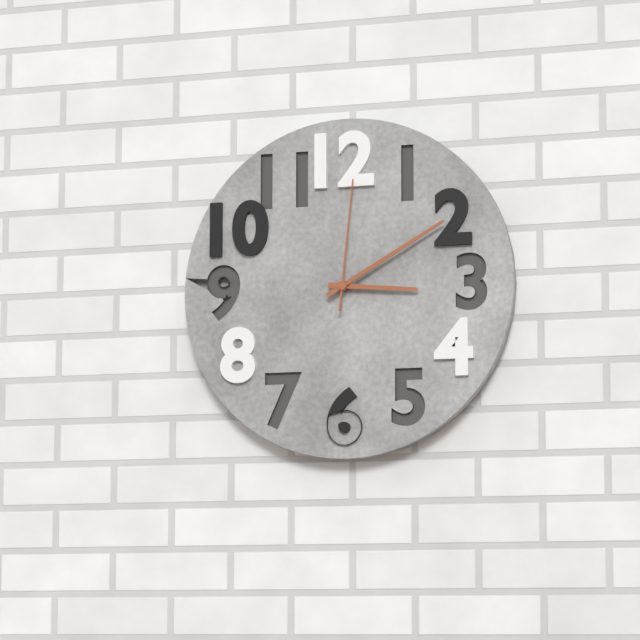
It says **3:10:01**
